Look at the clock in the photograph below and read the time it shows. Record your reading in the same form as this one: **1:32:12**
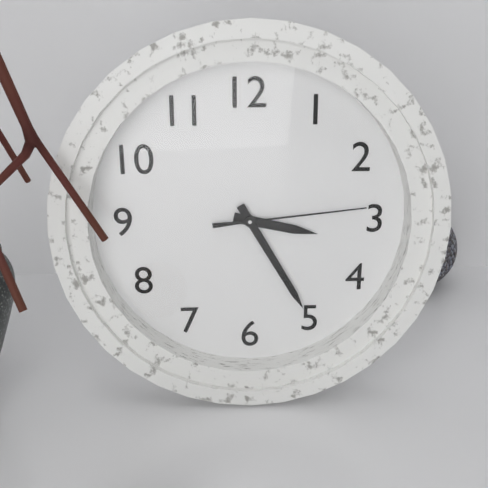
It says **3:25:14**
